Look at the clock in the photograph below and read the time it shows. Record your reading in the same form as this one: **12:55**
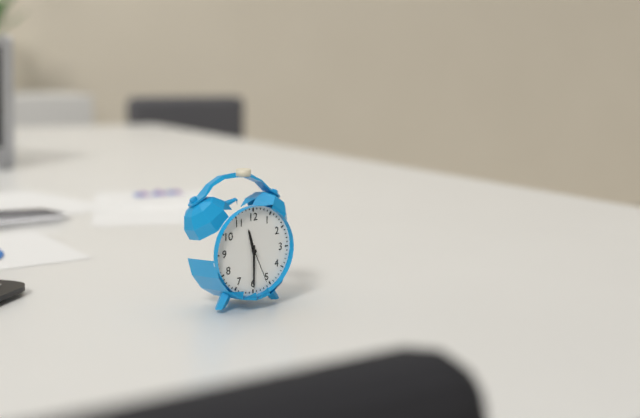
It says **11:30**
